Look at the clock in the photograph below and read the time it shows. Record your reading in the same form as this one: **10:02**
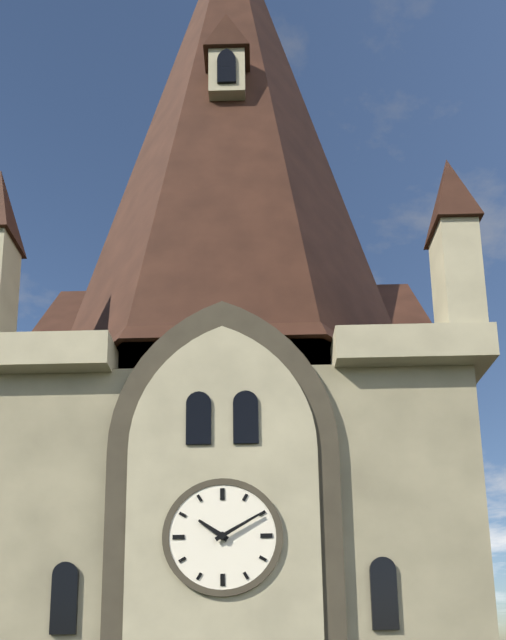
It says **10:10**
